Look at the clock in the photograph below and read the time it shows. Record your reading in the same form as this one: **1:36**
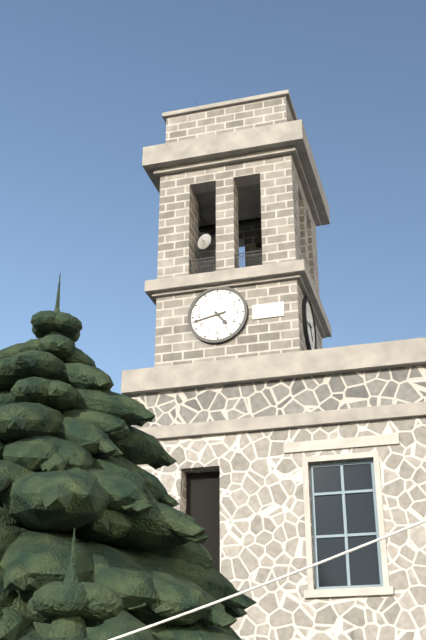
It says **4:43**
